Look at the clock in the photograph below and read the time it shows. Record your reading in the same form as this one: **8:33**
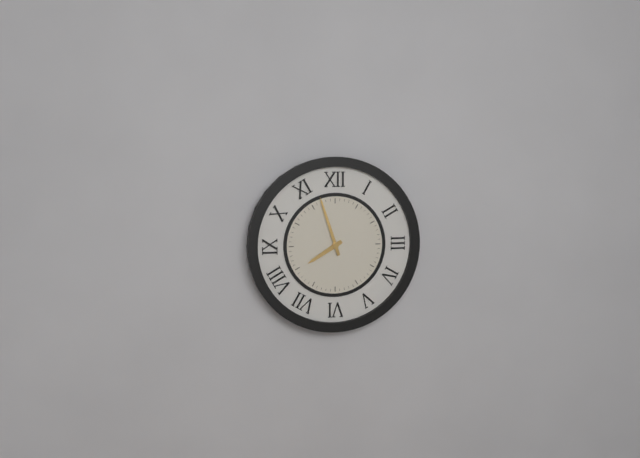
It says **7:57**
